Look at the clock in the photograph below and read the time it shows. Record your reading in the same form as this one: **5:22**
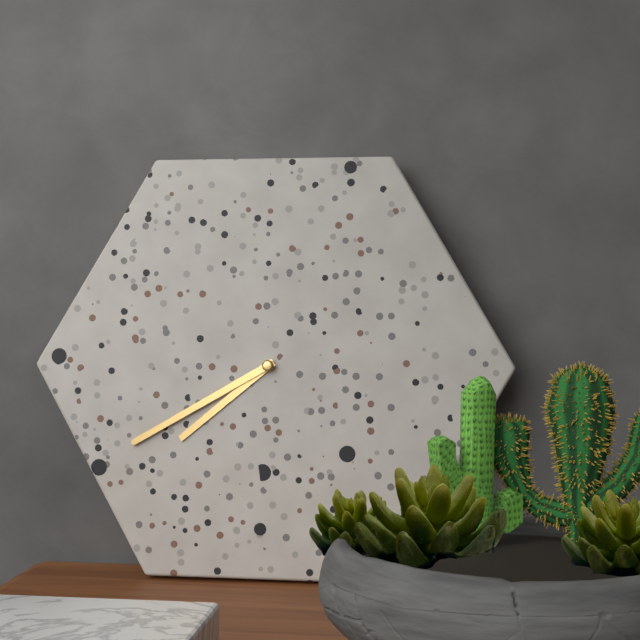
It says **7:40**
